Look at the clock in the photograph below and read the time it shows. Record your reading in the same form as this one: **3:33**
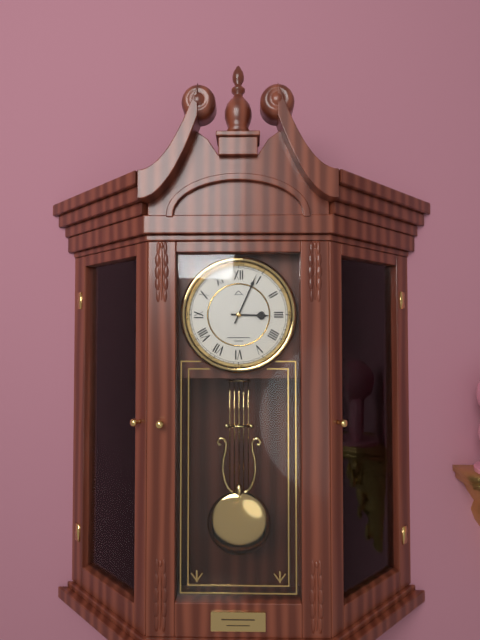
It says **3:04**
